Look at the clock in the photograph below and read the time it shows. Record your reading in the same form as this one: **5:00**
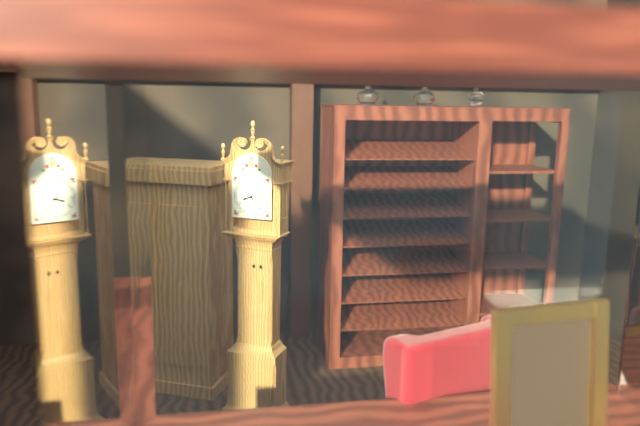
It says **8:23**
